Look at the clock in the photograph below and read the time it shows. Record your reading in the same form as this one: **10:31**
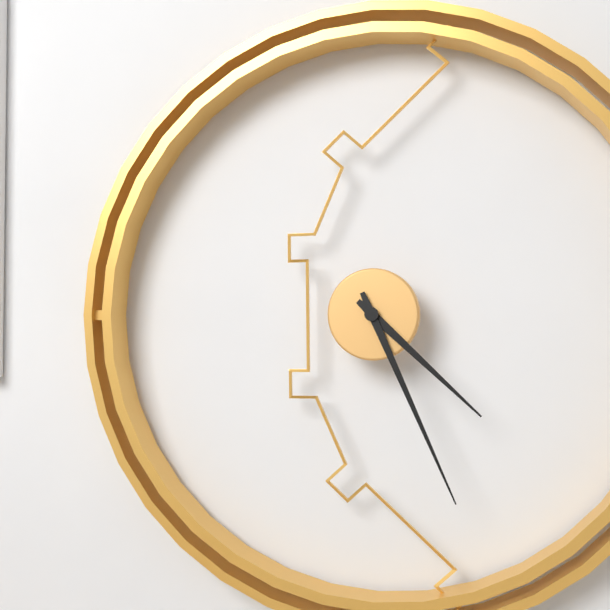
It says **4:26**
